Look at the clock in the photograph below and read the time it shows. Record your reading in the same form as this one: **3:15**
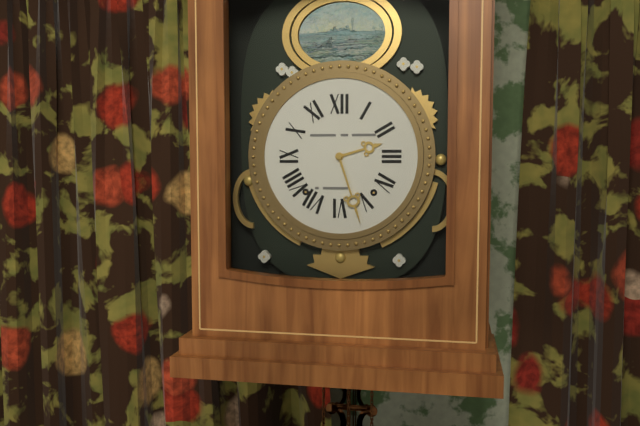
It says **2:27**
